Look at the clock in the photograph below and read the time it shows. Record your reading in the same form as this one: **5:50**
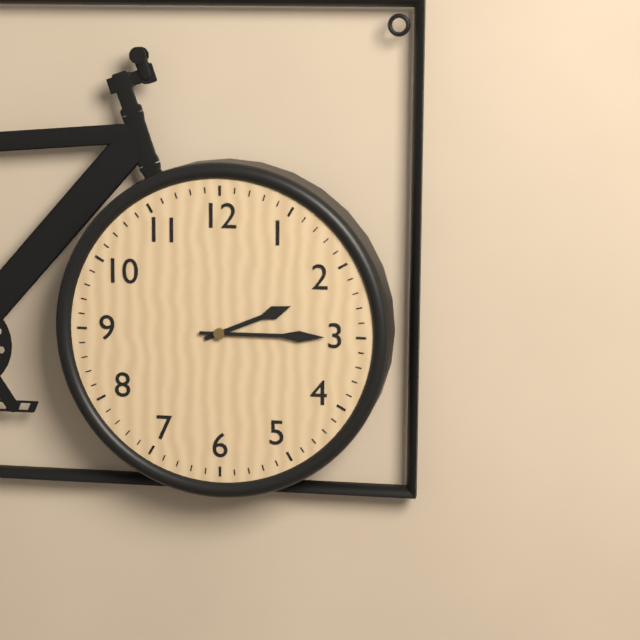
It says **2:15**
